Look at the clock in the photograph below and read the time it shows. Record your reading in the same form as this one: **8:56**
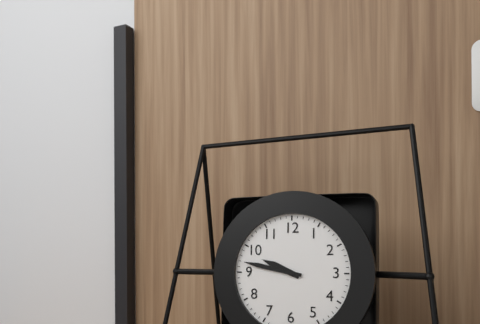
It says **9:47**
